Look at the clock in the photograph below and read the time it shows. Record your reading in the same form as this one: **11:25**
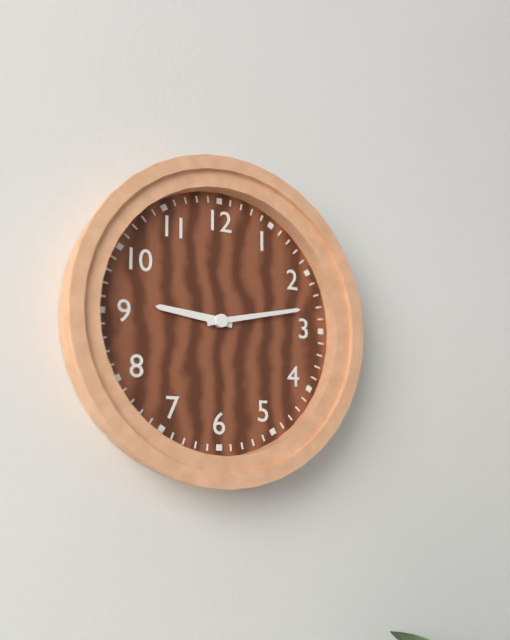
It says **9:13**
